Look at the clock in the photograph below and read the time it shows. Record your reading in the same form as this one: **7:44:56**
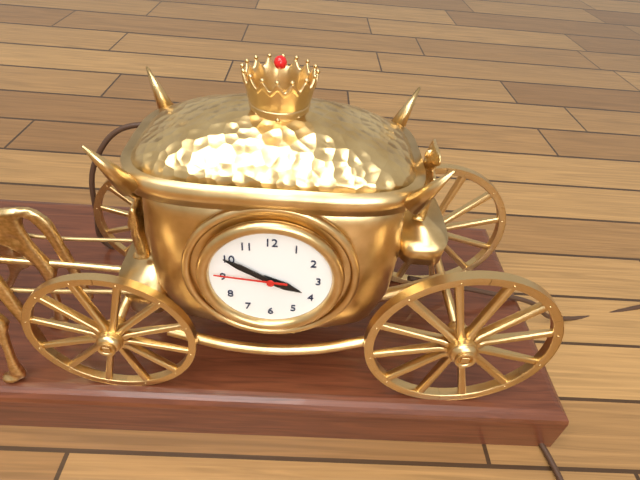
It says **3:50:46**
